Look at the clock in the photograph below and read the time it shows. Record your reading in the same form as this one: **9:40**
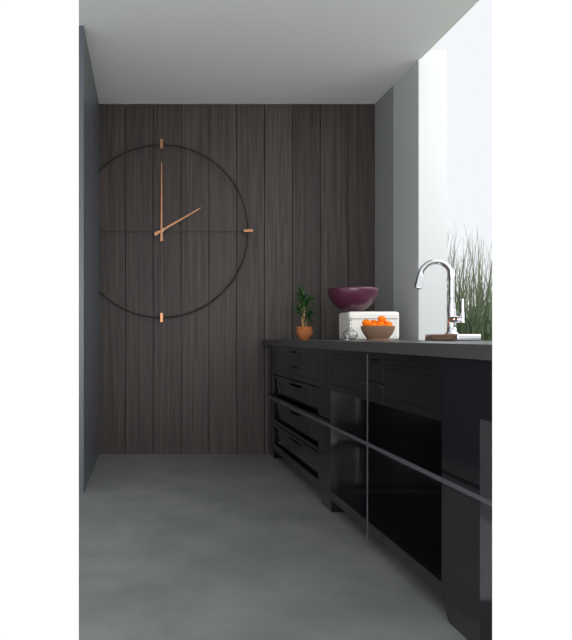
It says **2:00**
